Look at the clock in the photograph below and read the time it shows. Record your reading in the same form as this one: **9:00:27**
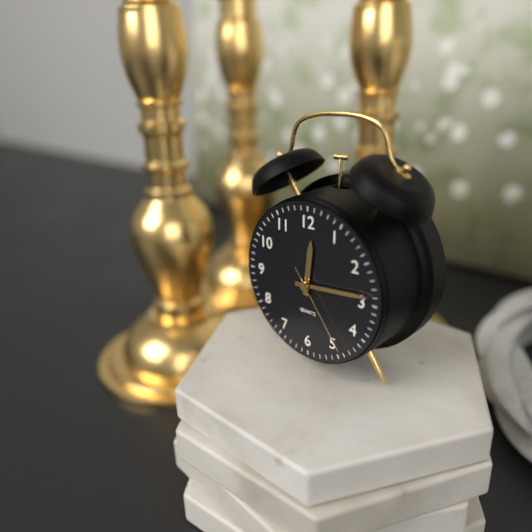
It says **12:14:24**
